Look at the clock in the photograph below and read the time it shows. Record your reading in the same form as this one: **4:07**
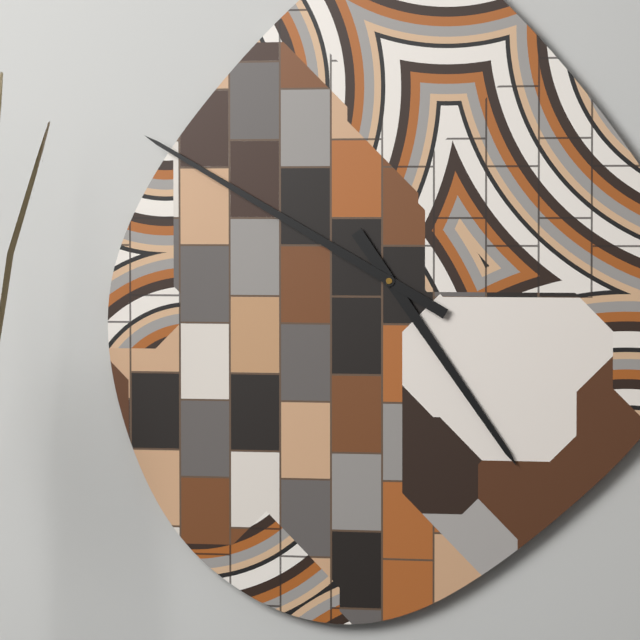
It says **4:50**
